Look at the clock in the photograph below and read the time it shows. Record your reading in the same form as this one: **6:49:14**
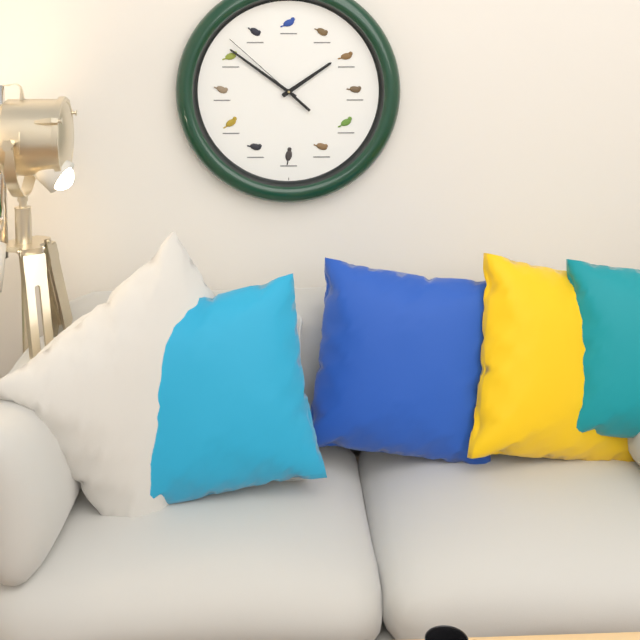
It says **1:51:52**
